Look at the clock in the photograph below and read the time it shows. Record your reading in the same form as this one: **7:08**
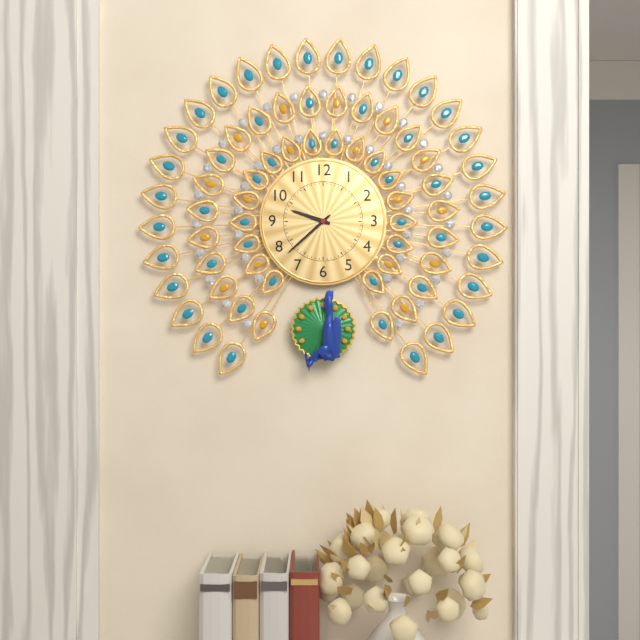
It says **9:38**
